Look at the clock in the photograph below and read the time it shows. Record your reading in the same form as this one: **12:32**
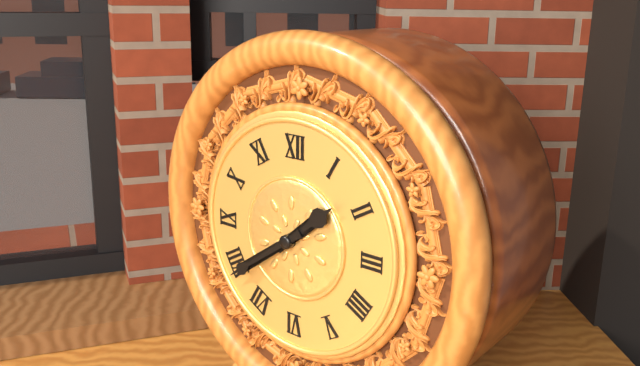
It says **1:39**
